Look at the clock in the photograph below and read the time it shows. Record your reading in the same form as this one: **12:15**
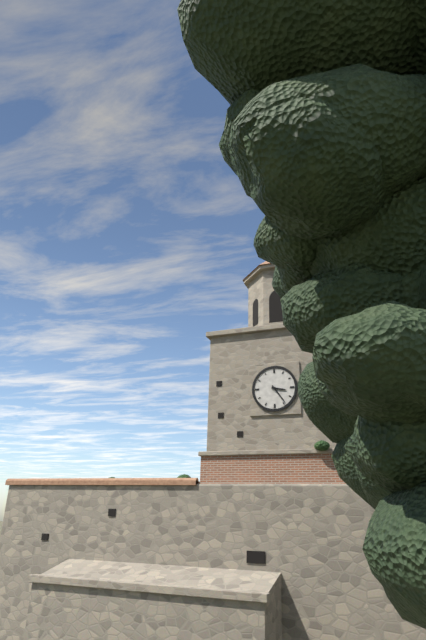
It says **3:24**
